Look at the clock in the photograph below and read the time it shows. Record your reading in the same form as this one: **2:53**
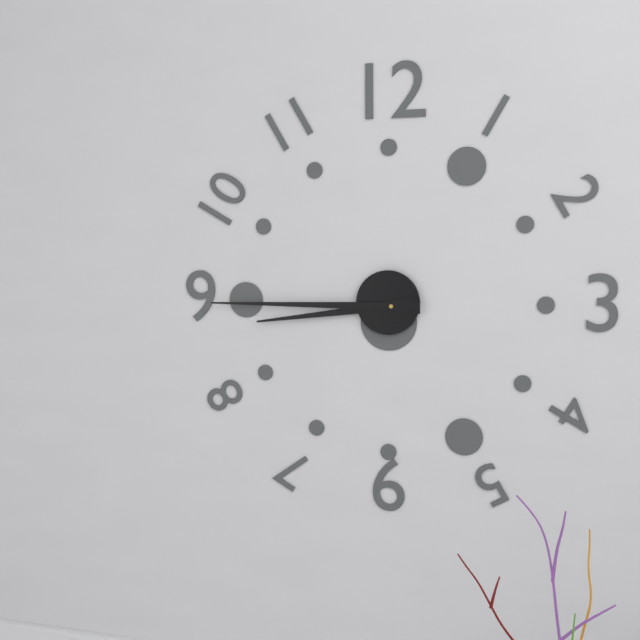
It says **8:45**
